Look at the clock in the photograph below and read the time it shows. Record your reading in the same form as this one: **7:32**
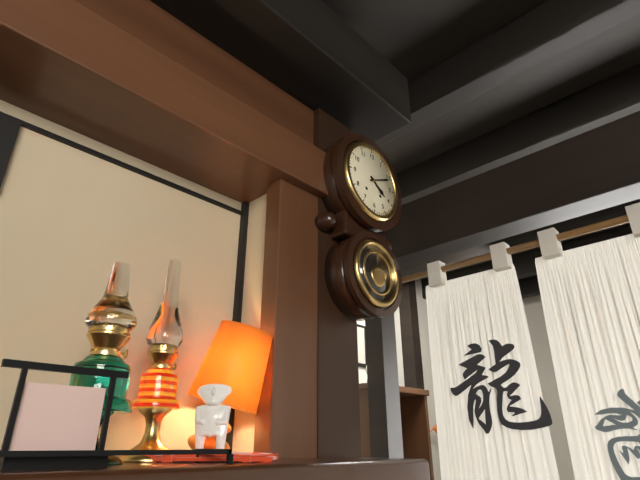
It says **4:11**
